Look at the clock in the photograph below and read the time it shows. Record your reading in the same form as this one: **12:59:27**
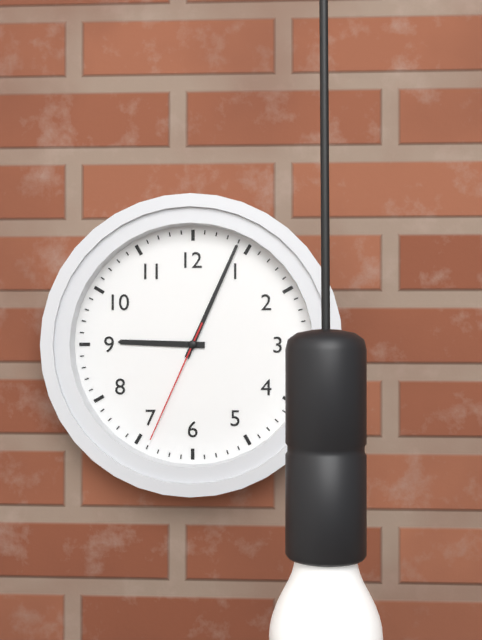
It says **9:04:34**
